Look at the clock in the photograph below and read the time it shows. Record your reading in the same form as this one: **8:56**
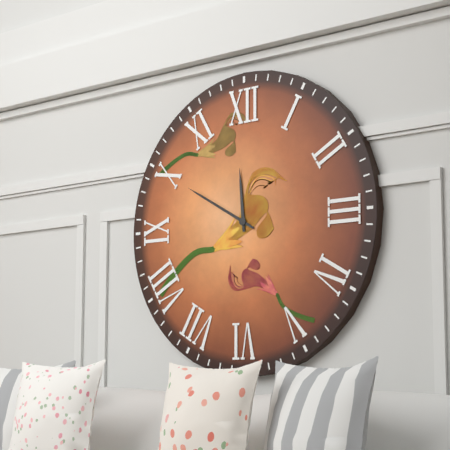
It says **11:50**
